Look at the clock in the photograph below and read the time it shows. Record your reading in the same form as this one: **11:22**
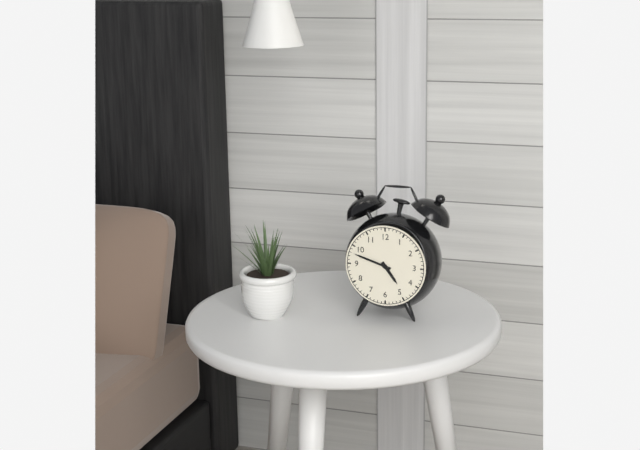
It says **4:48**
